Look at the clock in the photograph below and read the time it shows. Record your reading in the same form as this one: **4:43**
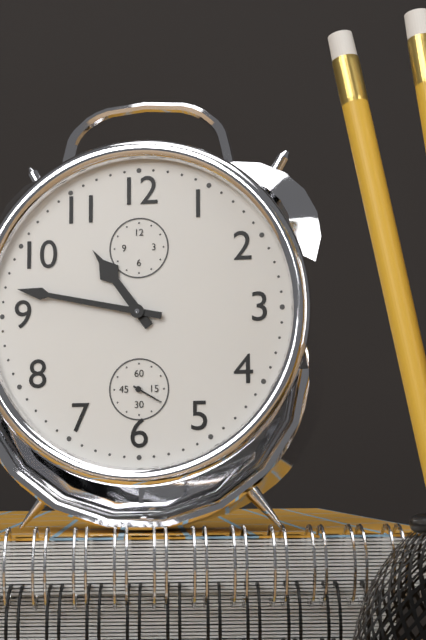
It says **10:47**
